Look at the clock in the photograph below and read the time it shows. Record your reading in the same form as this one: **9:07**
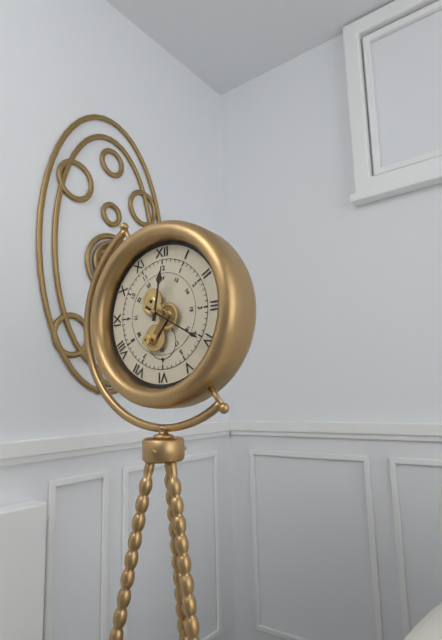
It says **12:20**
